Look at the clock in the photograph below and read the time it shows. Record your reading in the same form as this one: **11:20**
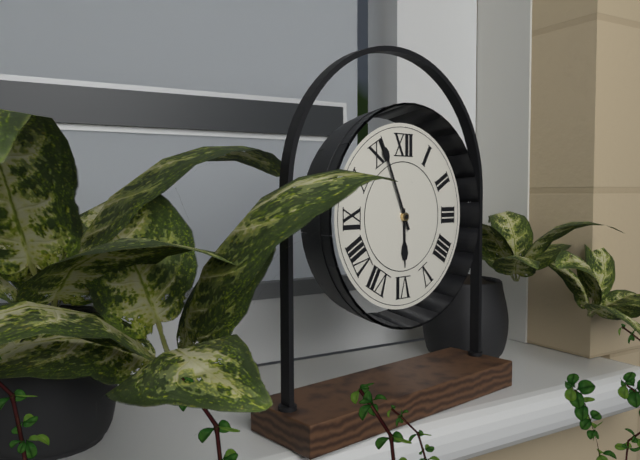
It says **5:56**
